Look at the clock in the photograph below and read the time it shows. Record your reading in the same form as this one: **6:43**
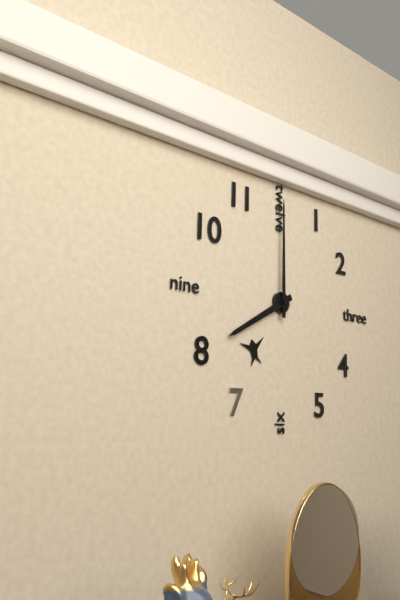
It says **8:00**
